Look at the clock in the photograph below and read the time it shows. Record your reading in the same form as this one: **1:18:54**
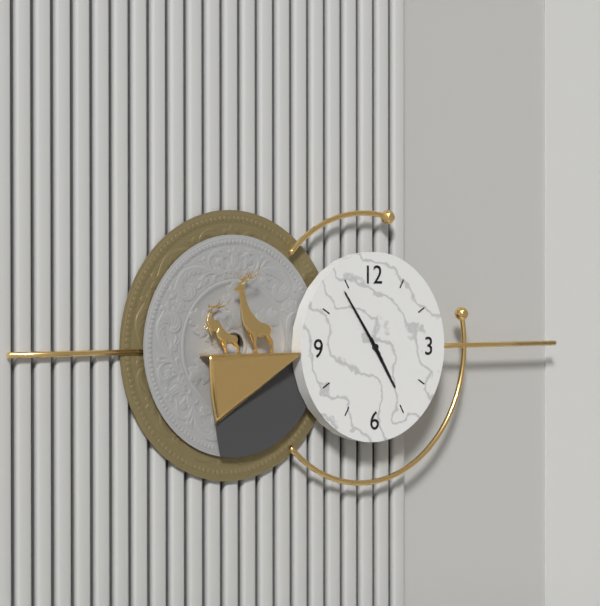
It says **4:54:54**
